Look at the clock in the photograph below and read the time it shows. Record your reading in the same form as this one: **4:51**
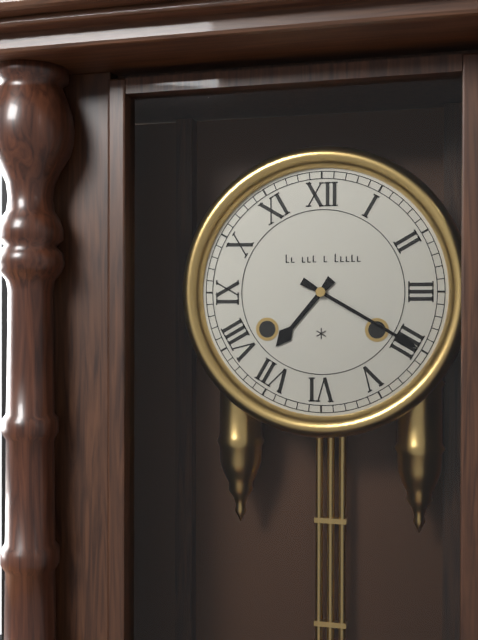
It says **7:20**
